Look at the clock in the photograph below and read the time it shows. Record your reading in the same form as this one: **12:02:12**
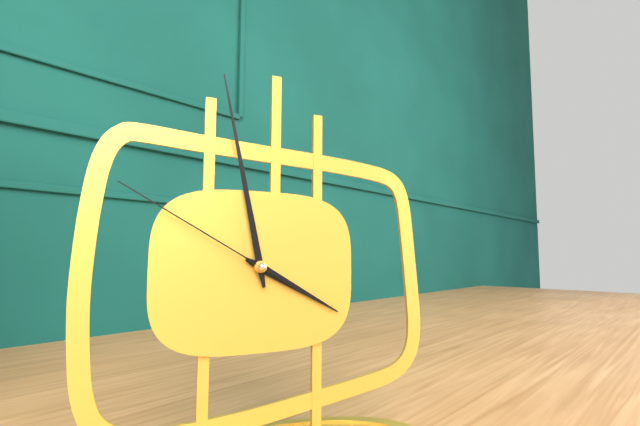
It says **3:58:50**
